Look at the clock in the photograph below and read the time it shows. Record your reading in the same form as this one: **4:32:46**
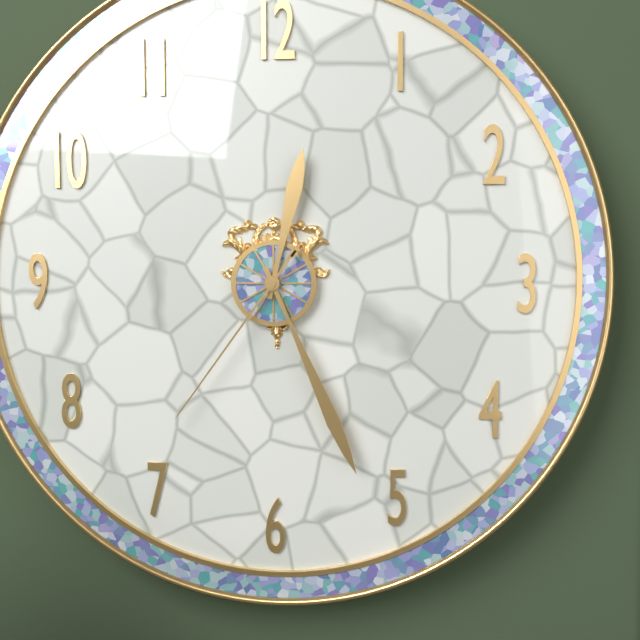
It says **12:26:36**
